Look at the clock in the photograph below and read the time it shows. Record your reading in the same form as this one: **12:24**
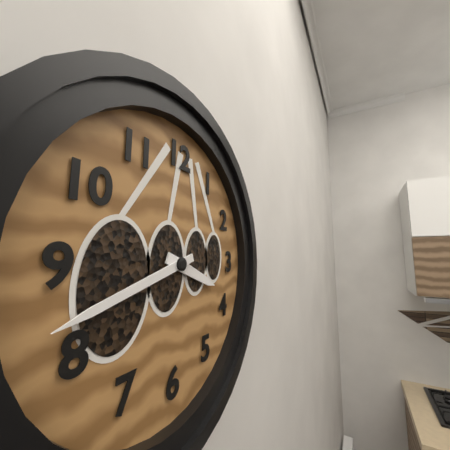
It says **3:42**
